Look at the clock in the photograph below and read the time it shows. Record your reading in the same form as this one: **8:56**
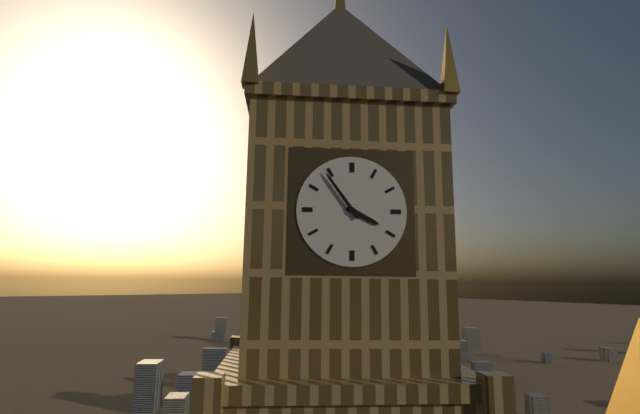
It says **3:54**
